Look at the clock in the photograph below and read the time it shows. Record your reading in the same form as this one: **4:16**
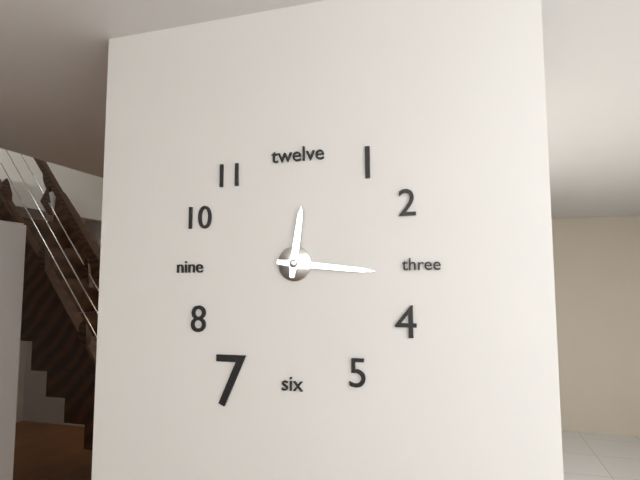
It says **12:16**
